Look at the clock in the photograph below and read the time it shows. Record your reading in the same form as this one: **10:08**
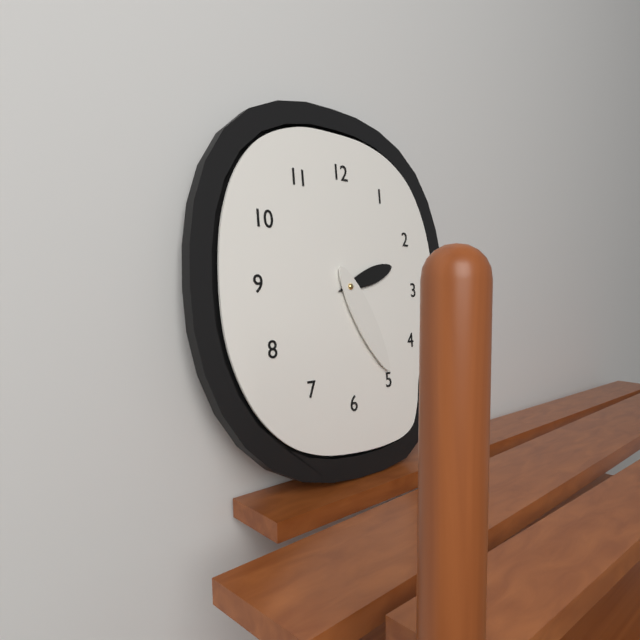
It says **2:25**
